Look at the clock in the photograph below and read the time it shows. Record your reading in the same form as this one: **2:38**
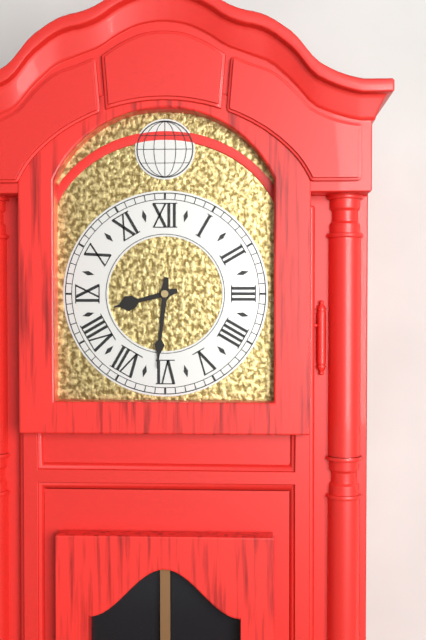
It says **8:31**
